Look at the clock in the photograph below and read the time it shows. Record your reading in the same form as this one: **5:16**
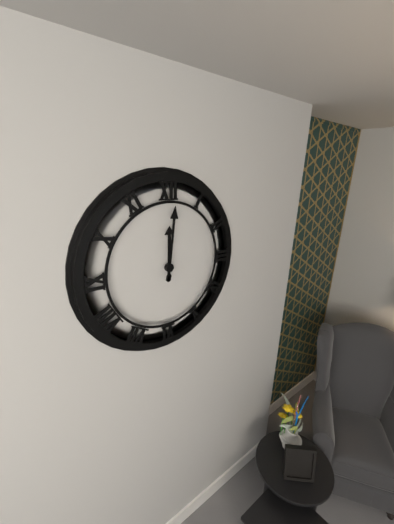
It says **12:01**
